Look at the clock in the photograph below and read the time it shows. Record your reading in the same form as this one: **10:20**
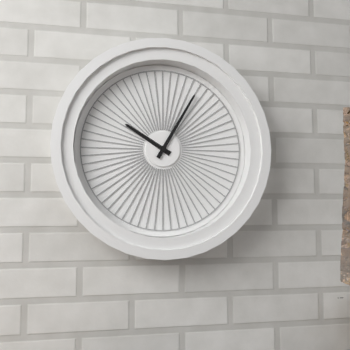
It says **10:05**
